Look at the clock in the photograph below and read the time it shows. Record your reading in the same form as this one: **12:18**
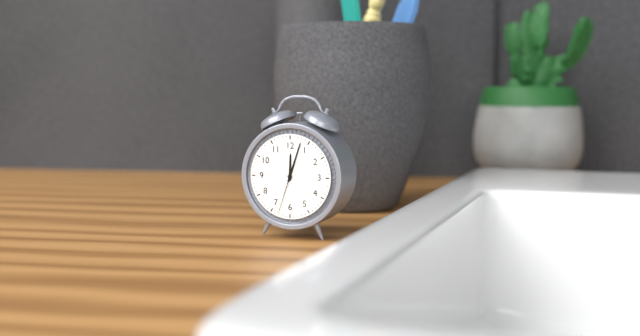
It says **12:03**
